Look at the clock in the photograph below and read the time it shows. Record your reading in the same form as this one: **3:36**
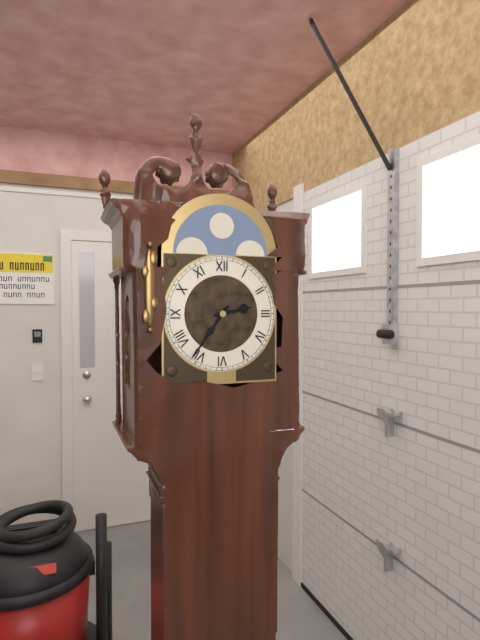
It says **2:36**
